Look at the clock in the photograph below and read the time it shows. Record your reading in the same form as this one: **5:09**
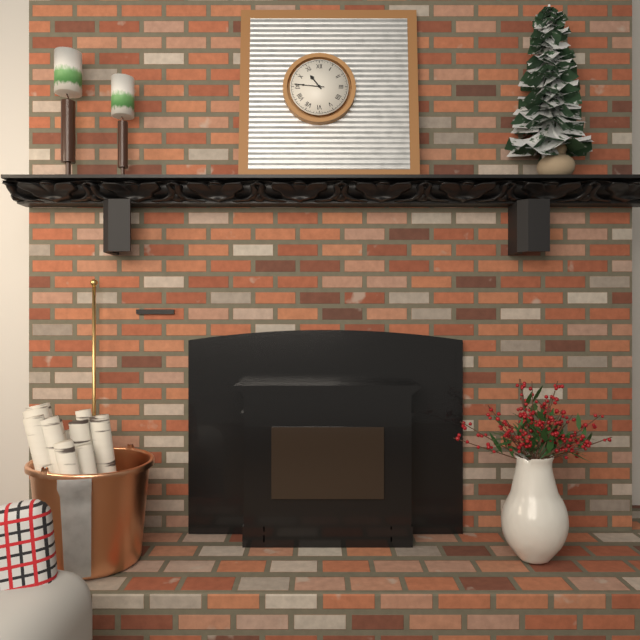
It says **10:46**
